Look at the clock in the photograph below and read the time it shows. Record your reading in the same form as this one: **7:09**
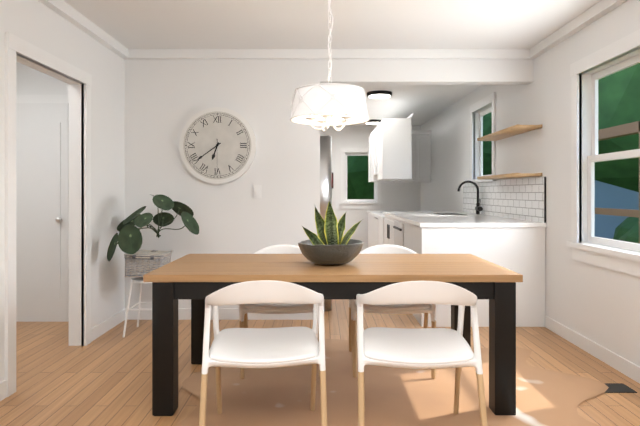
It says **6:39**
